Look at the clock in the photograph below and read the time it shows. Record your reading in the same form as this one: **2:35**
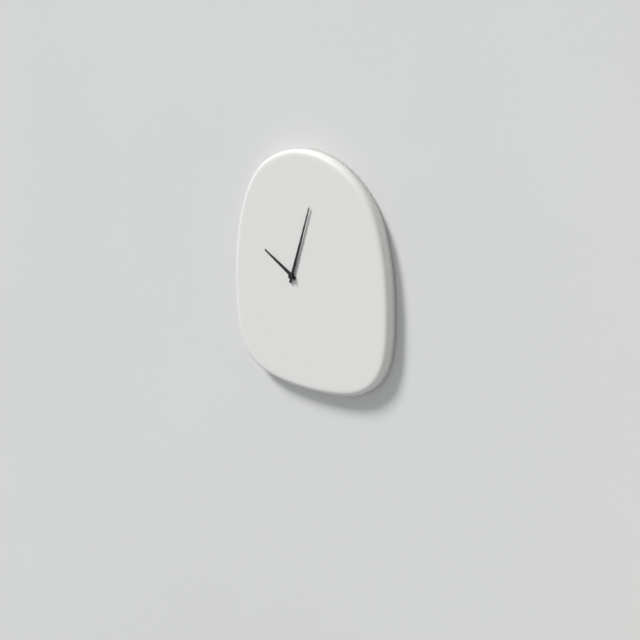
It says **10:03**
